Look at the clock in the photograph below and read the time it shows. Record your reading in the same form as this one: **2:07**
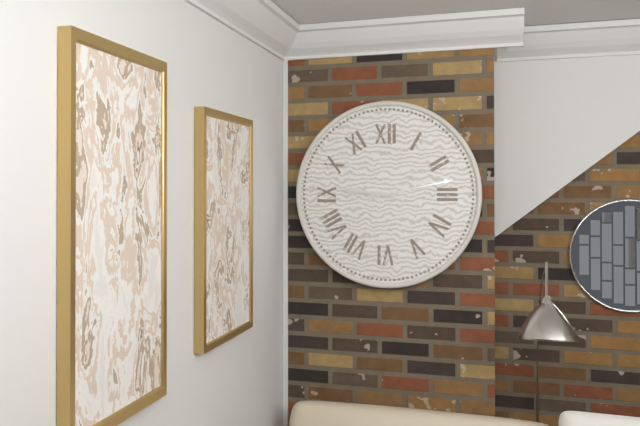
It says **9:13**
